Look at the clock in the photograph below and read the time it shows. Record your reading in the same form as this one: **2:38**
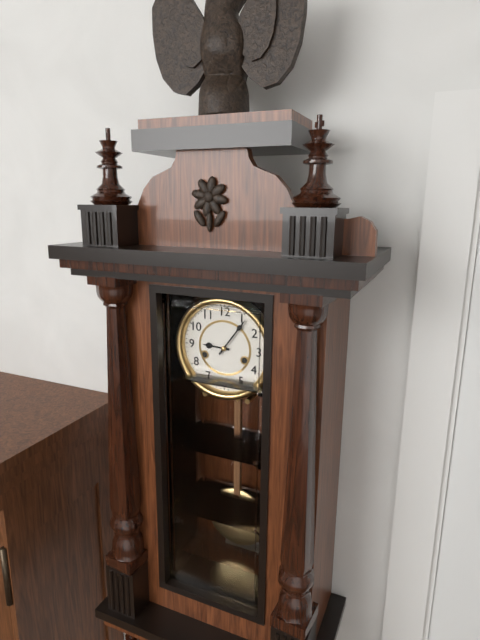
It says **9:06**
